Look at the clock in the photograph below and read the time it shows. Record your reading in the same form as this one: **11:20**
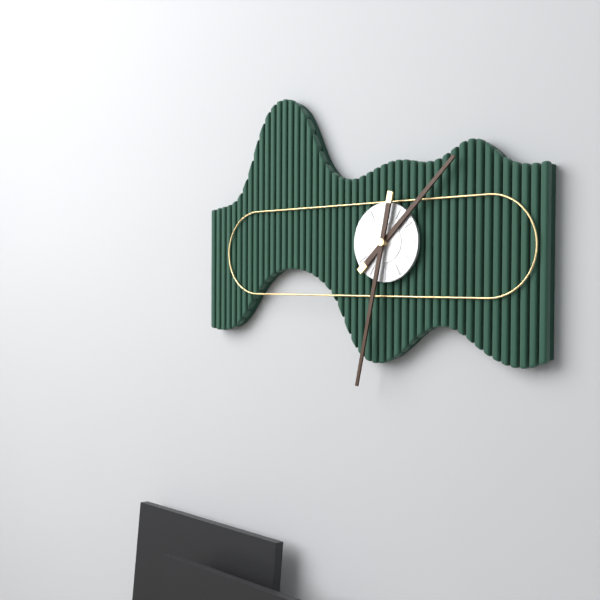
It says **1:32**
